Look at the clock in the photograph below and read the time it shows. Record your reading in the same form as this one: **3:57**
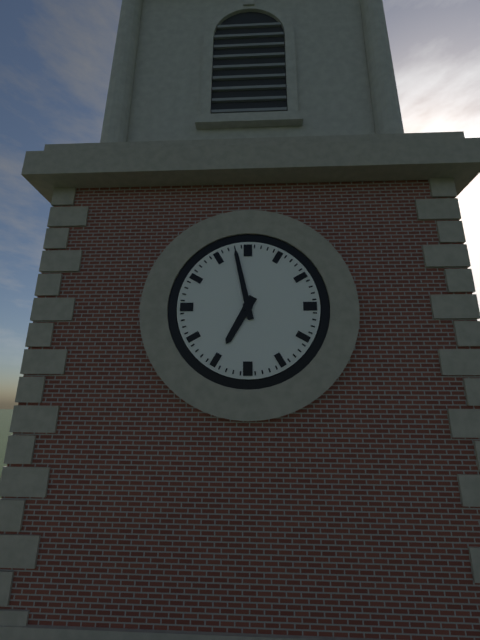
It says **6:58**
